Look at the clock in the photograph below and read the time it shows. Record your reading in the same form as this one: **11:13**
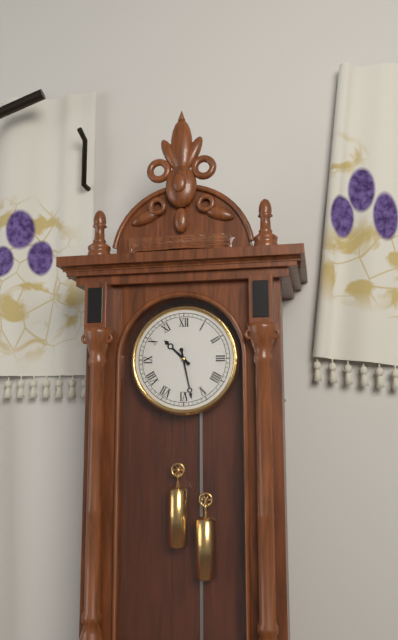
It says **10:28**
